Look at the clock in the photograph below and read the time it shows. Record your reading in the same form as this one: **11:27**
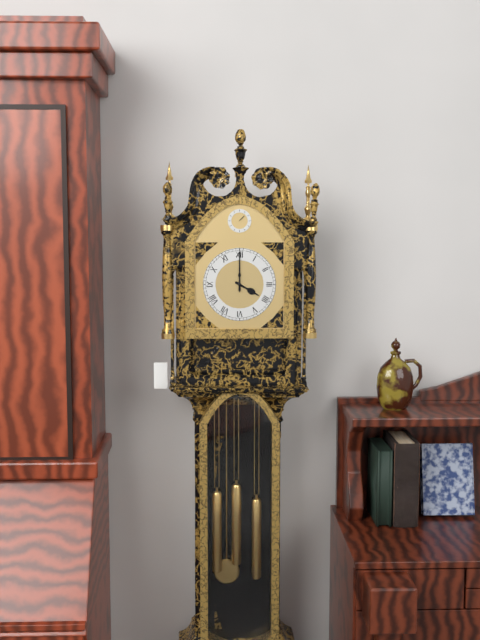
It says **4:00**
